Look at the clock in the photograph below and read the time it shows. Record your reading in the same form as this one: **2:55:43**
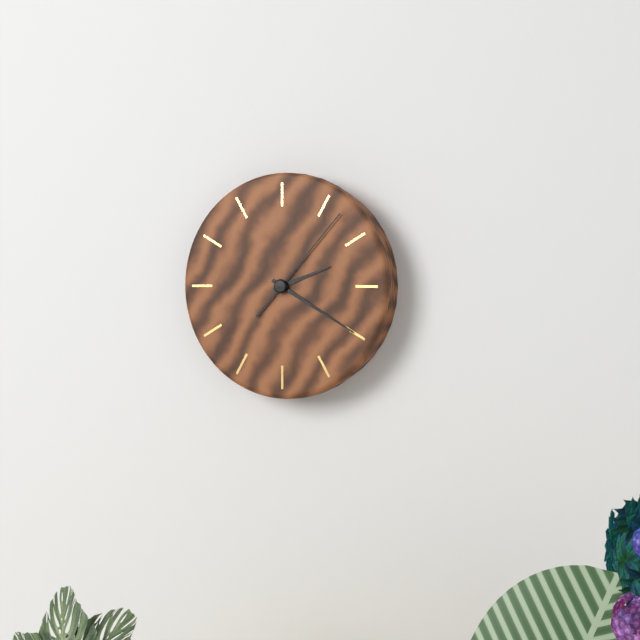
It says **2:20:07**
